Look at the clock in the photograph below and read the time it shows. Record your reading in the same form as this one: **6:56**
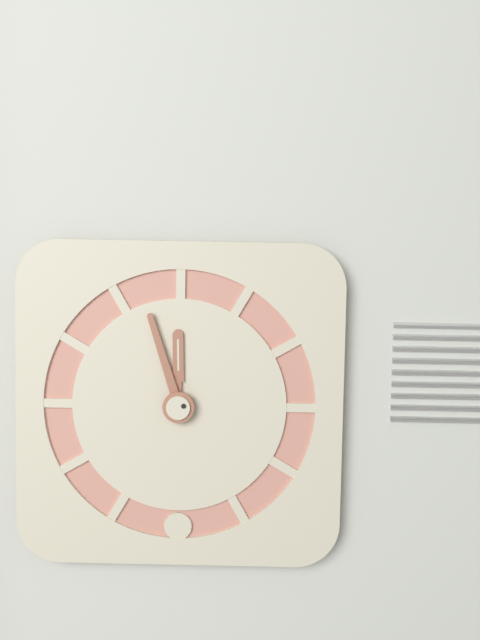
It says **11:57**
